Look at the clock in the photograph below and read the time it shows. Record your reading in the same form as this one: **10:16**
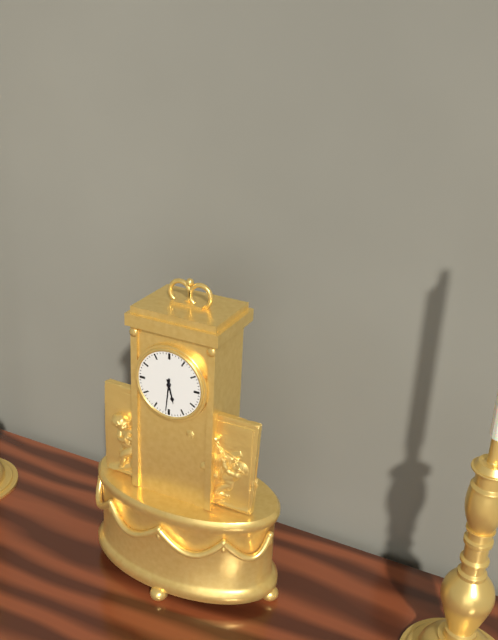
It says **5:31**
